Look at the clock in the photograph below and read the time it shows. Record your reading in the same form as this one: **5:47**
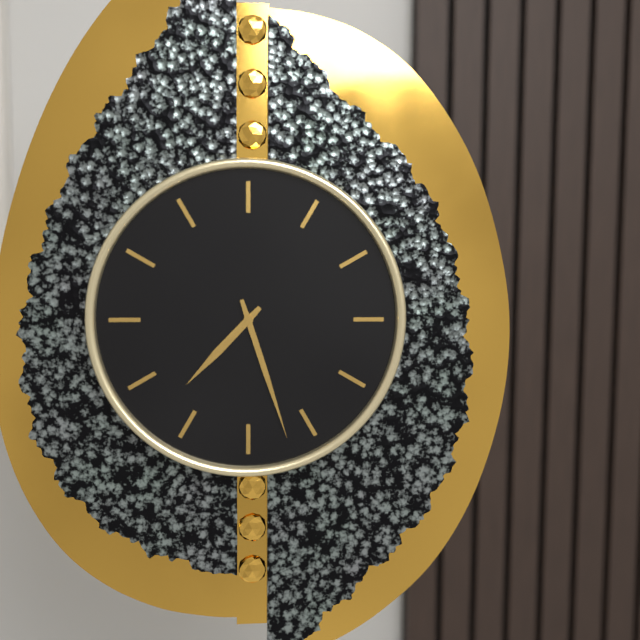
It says **7:27**
